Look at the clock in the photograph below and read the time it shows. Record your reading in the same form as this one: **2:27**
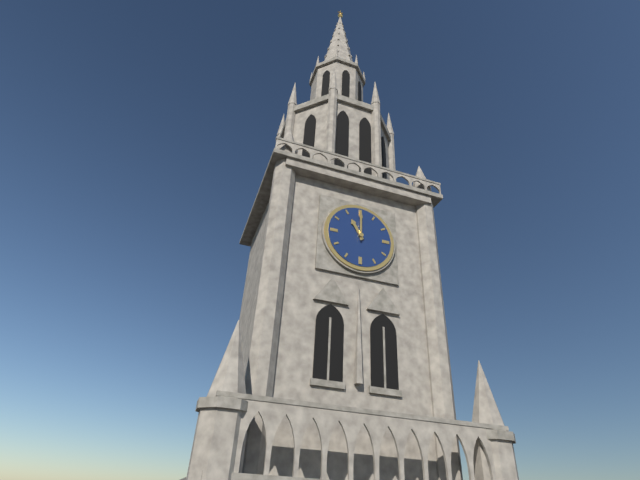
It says **11:00**
